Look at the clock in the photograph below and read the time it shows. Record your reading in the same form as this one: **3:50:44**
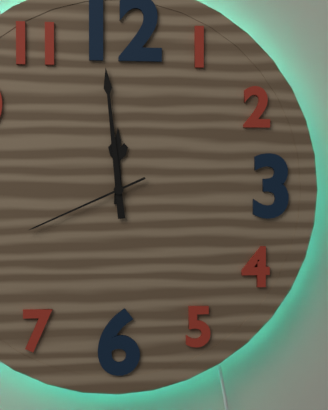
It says **11:59:41**
